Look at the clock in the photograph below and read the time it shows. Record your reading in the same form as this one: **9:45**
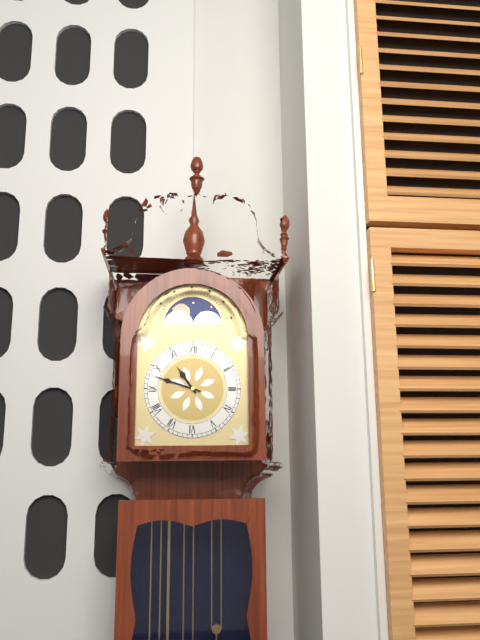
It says **10:48**
